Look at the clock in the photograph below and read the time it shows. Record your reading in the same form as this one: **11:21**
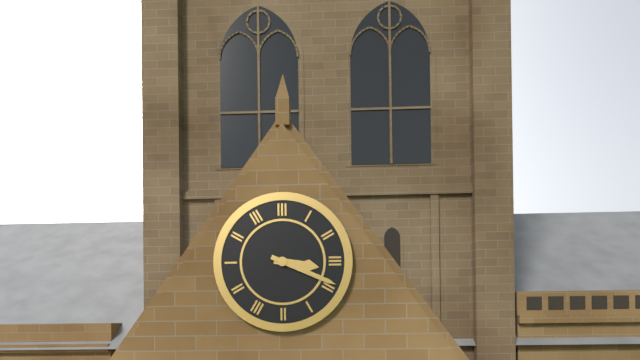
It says **3:19**
